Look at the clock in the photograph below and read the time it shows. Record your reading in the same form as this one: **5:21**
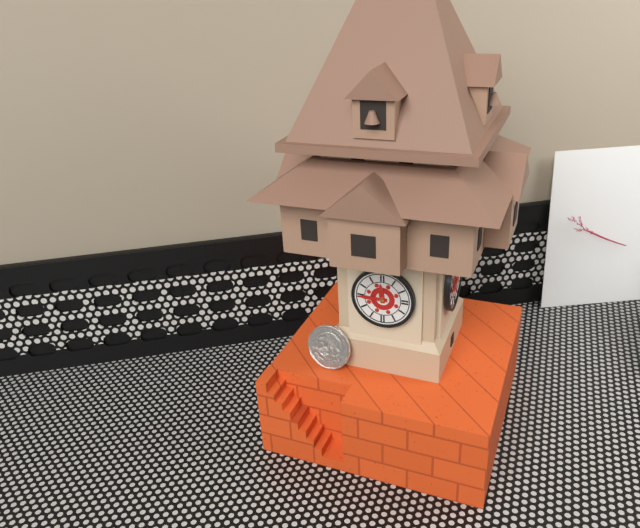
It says **11:45**
